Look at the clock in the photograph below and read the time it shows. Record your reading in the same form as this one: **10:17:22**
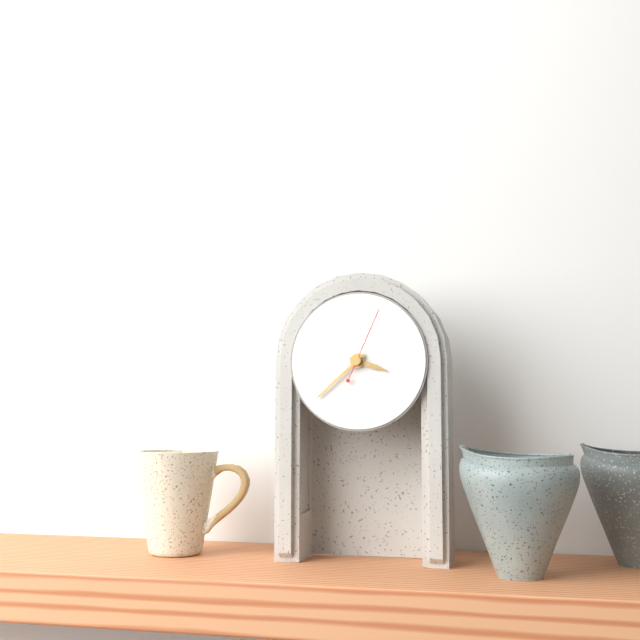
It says **3:38:04**
